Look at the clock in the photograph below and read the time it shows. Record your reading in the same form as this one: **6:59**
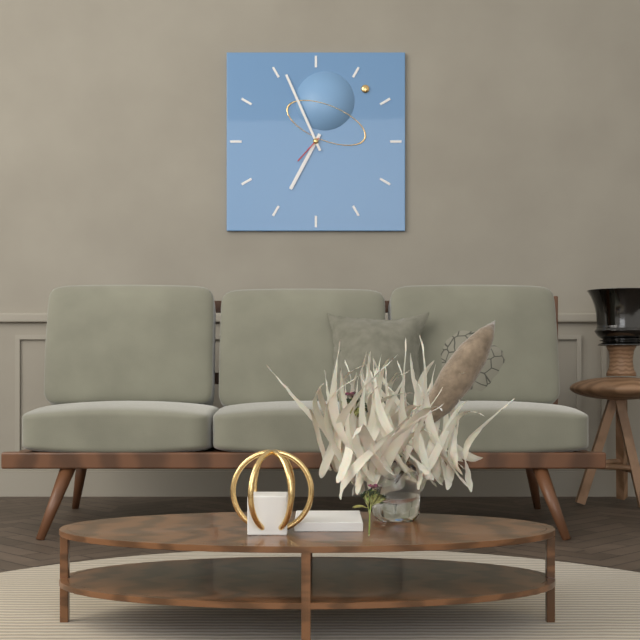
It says **6:56**
